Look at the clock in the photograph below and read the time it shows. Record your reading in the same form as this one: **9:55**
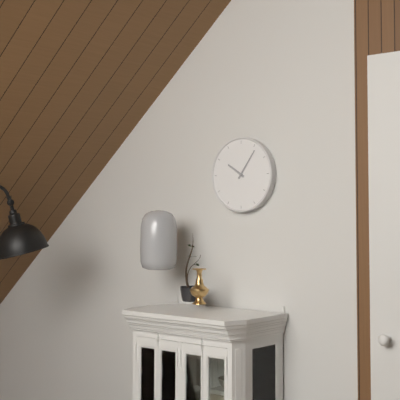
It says **10:06**
